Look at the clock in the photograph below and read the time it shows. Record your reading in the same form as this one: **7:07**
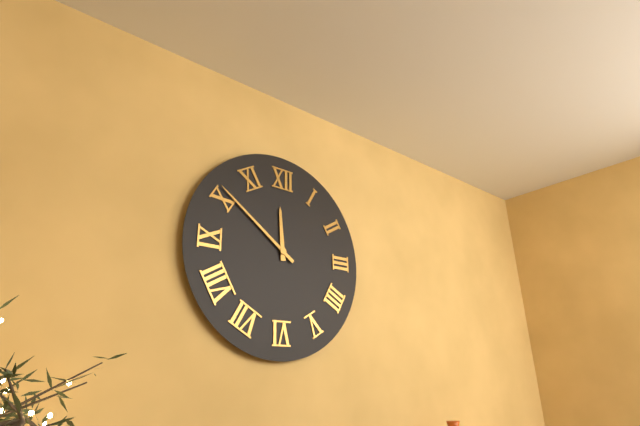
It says **11:51**
